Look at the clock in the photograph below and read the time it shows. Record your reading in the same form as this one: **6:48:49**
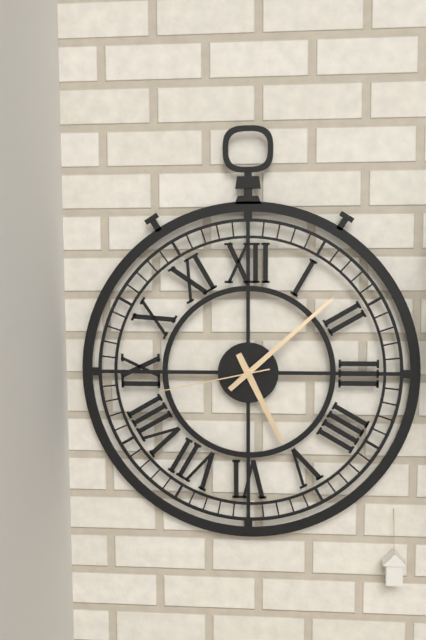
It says **5:08:43**
